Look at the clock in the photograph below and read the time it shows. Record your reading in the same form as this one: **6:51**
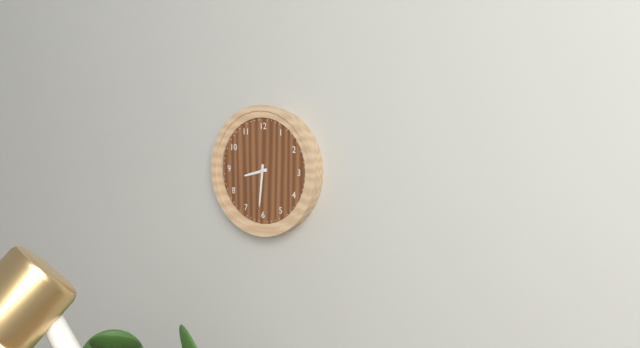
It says **8:31**
